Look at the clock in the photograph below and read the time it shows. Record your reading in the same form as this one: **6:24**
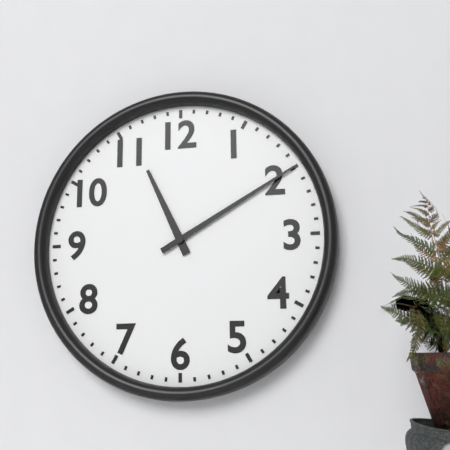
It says **11:10**
